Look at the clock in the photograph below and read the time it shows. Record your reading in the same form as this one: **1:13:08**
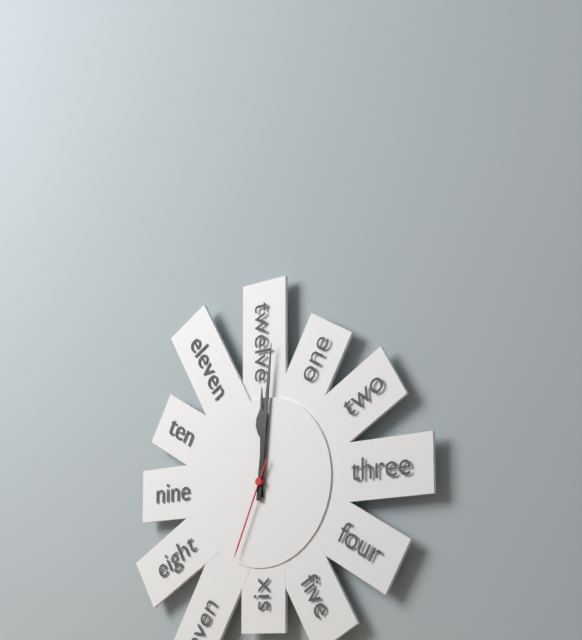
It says **12:01:34**
